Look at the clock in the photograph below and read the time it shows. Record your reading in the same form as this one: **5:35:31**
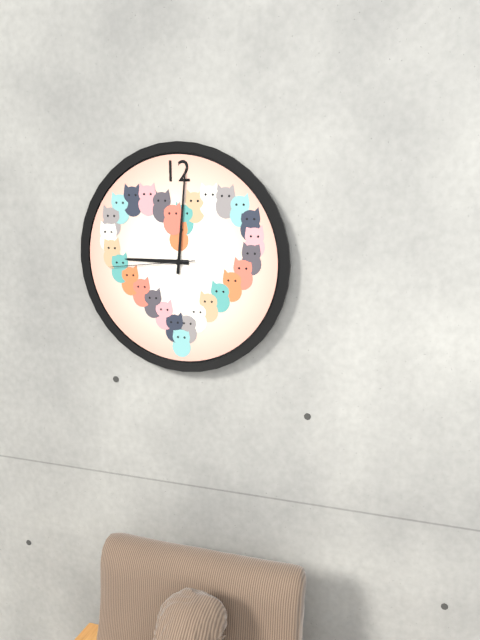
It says **9:01:44**
